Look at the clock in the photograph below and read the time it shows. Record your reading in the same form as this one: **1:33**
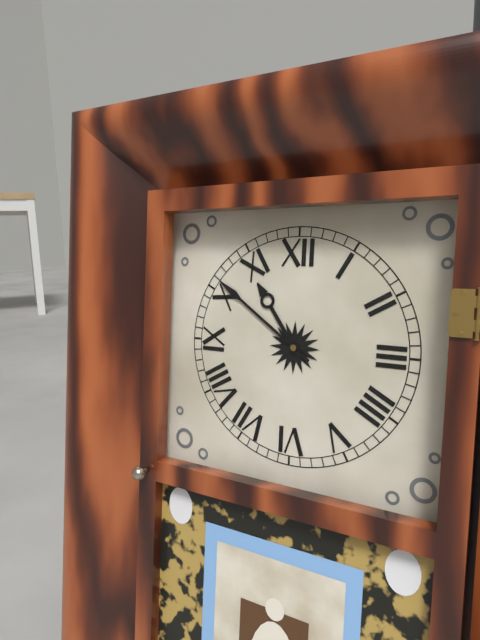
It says **10:51**
